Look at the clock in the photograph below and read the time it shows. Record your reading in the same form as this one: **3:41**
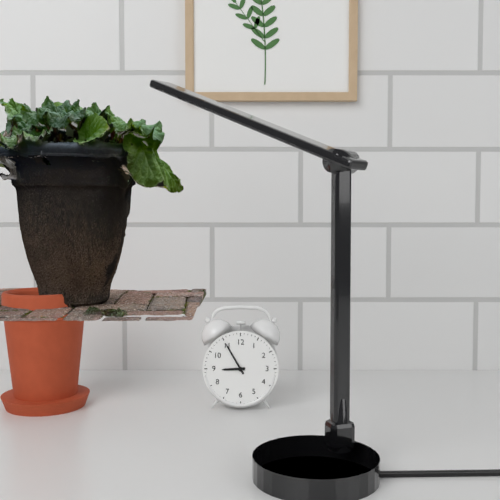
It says **8:55**
